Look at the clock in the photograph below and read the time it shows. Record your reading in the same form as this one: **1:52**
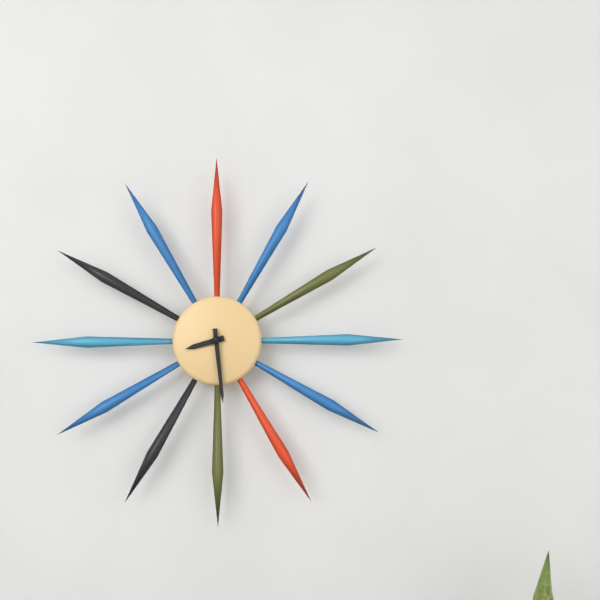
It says **8:29**
